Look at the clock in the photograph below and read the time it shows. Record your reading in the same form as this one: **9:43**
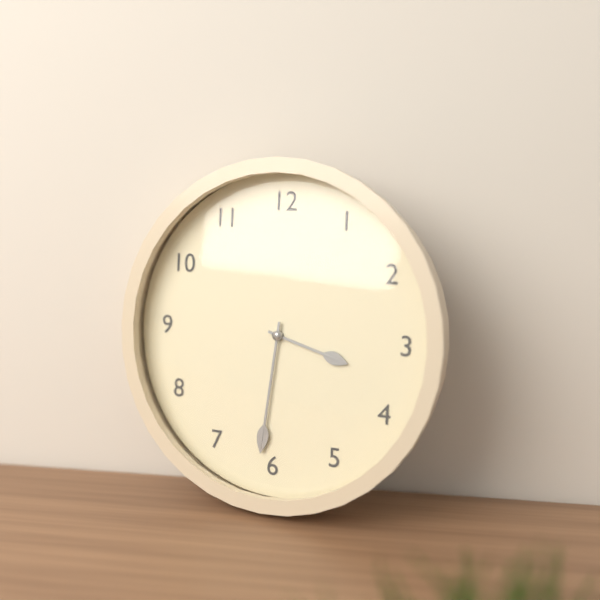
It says **3:31**
